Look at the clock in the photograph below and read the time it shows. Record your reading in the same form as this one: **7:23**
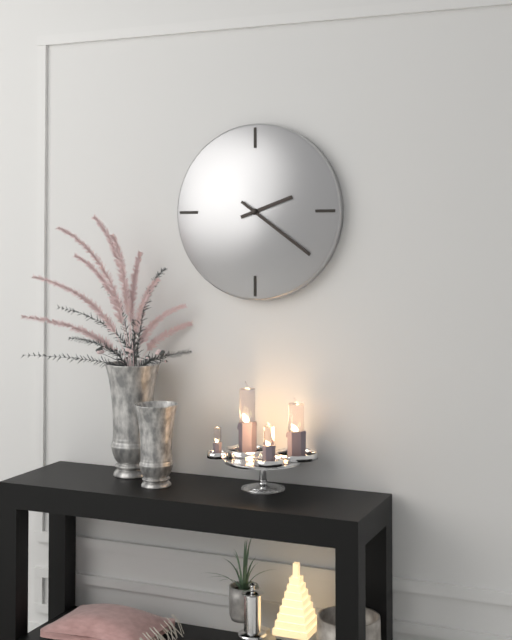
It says **2:21**
